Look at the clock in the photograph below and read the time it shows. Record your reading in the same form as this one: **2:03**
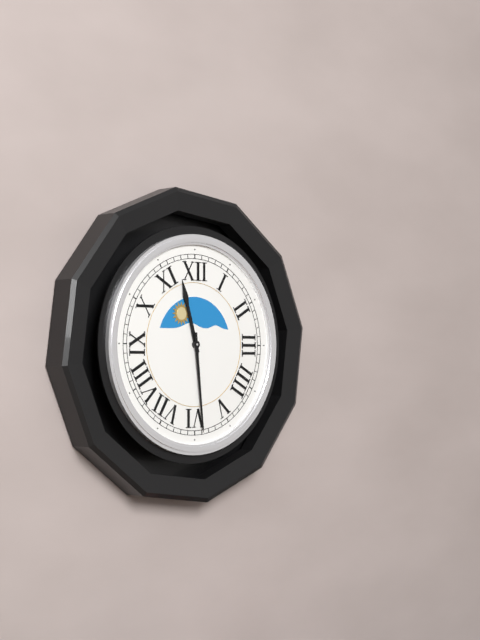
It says **11:29**
